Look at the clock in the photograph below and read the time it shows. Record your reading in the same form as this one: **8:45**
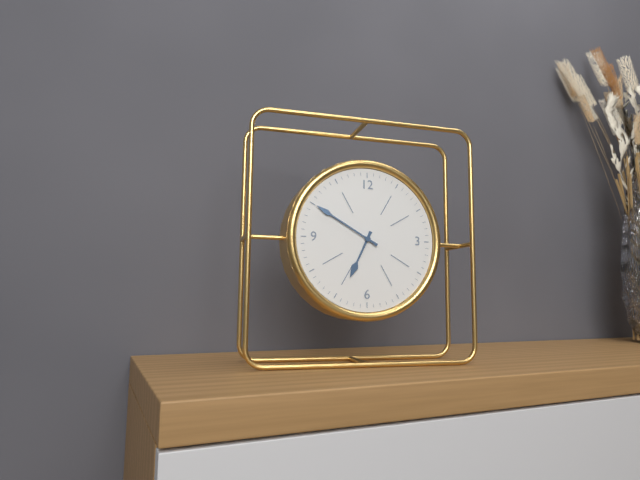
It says **6:50**
